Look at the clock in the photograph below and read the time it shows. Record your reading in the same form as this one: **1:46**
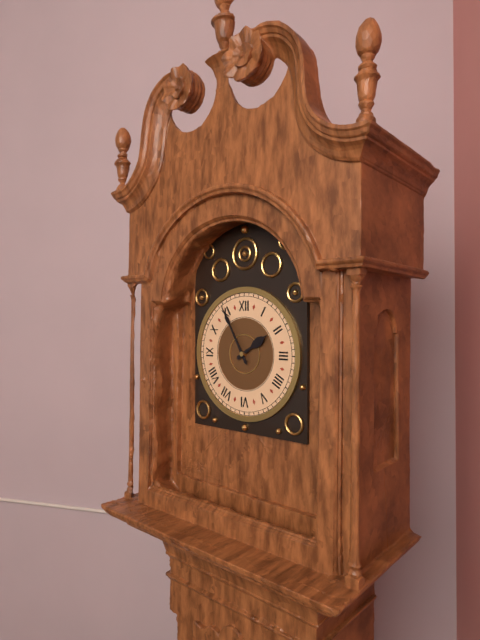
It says **1:55**
